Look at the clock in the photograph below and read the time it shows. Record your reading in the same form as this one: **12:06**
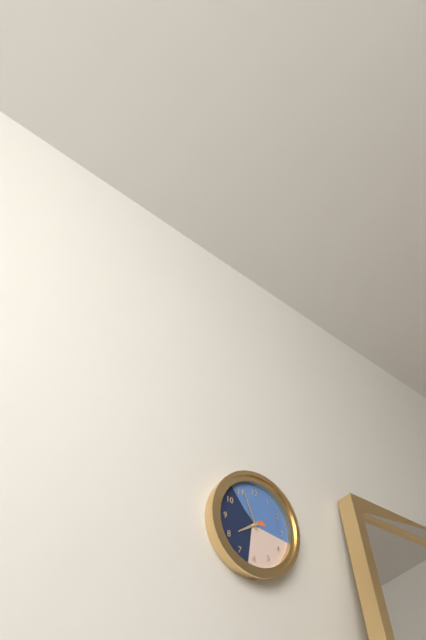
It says **7:56**
